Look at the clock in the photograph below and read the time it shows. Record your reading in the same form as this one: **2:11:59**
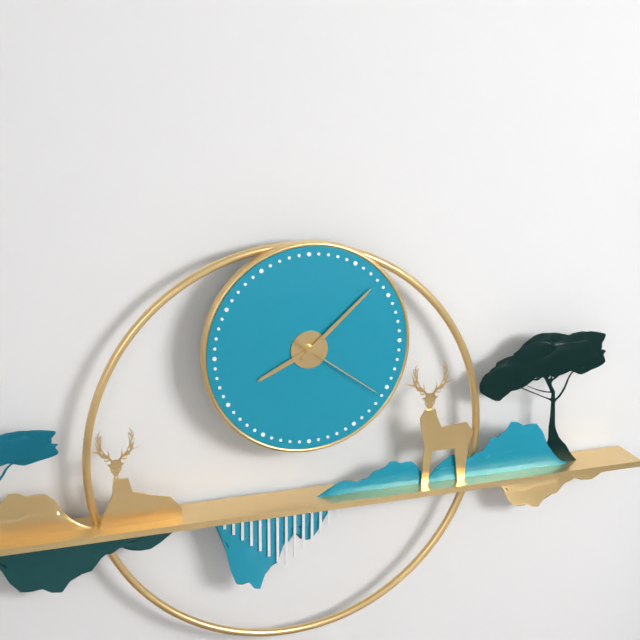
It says **8:08:21**
